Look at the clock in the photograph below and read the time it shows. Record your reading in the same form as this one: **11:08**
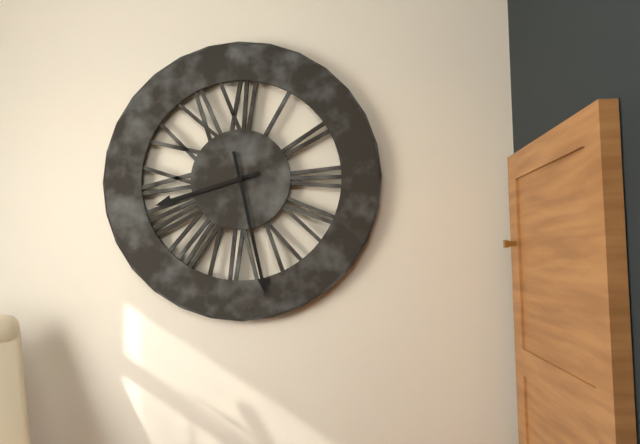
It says **8:28**
